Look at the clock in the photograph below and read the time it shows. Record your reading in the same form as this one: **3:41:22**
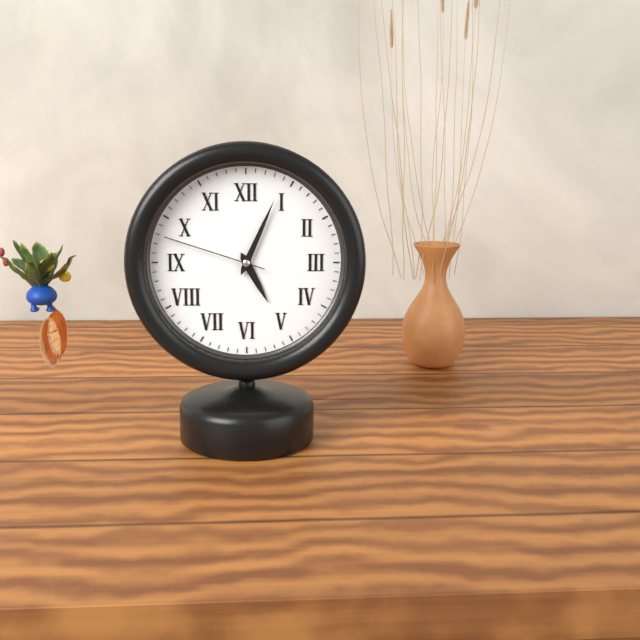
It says **5:04:48**
